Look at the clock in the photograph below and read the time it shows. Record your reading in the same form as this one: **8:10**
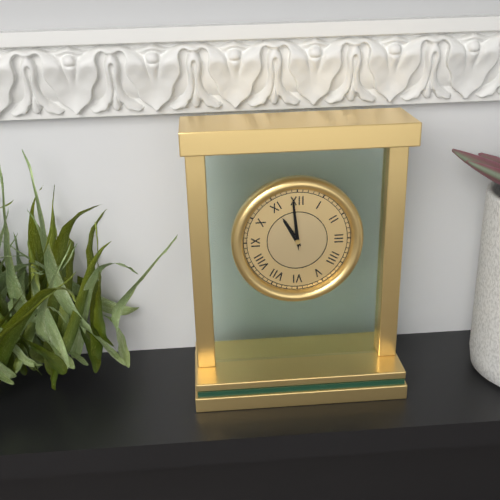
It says **10:59**
